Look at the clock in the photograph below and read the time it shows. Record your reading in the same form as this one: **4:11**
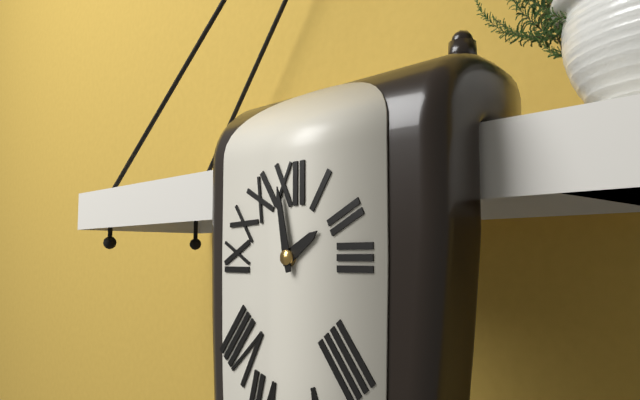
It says **1:58**
